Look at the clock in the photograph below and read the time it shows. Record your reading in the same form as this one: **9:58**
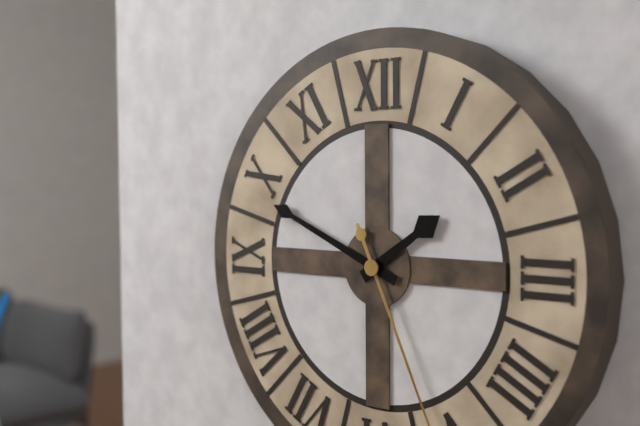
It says **1:49**
